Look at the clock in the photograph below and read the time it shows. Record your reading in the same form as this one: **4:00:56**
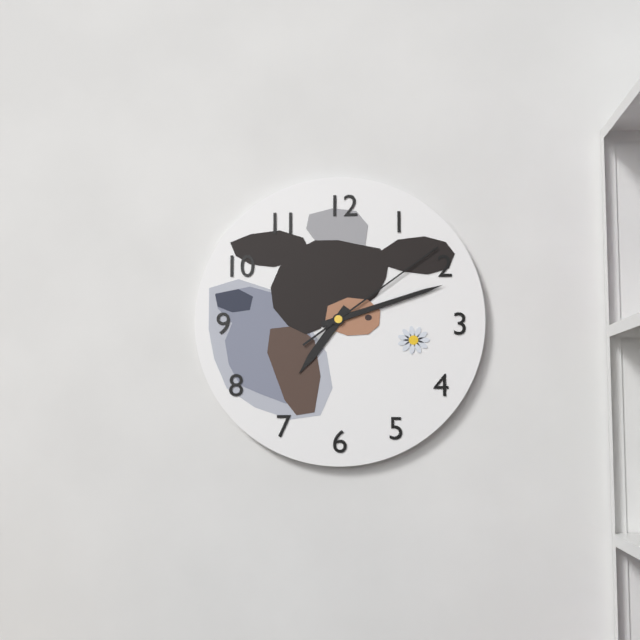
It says **7:12:09**
